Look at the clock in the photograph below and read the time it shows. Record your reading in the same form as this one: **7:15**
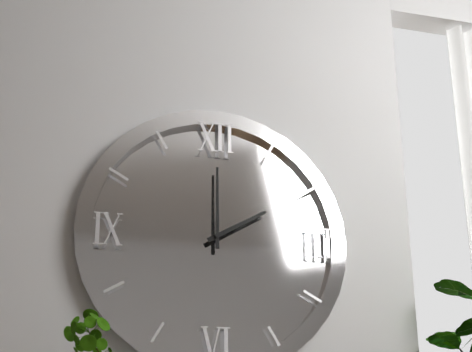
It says **2:00**
